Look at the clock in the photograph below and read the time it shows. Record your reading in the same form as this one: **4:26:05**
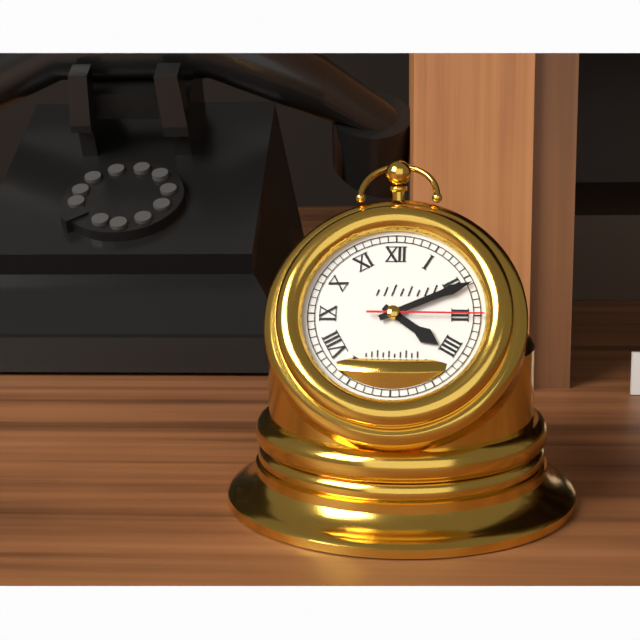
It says **4:11:15**
